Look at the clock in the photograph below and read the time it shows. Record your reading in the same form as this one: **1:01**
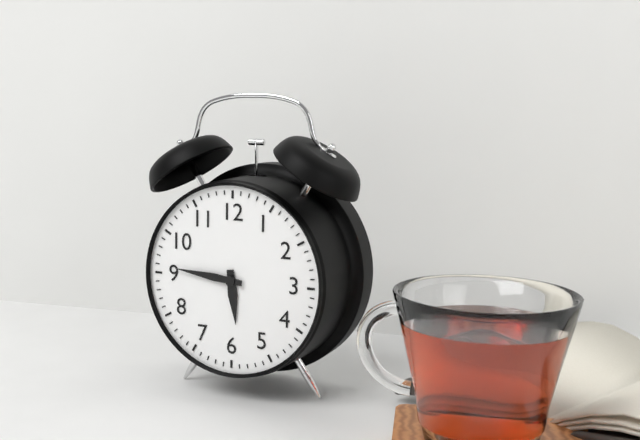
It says **5:46**
